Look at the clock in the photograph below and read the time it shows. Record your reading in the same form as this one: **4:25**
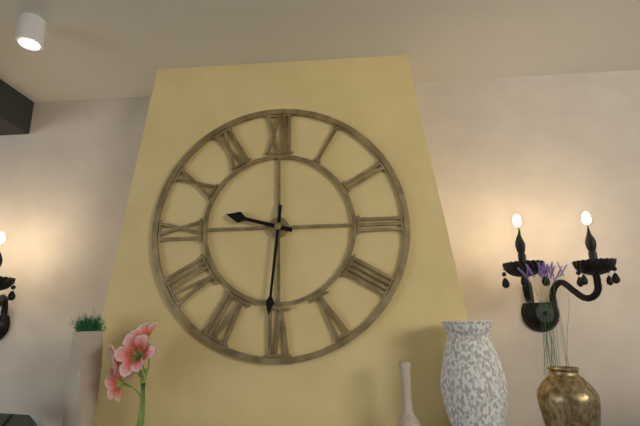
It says **9:31**
